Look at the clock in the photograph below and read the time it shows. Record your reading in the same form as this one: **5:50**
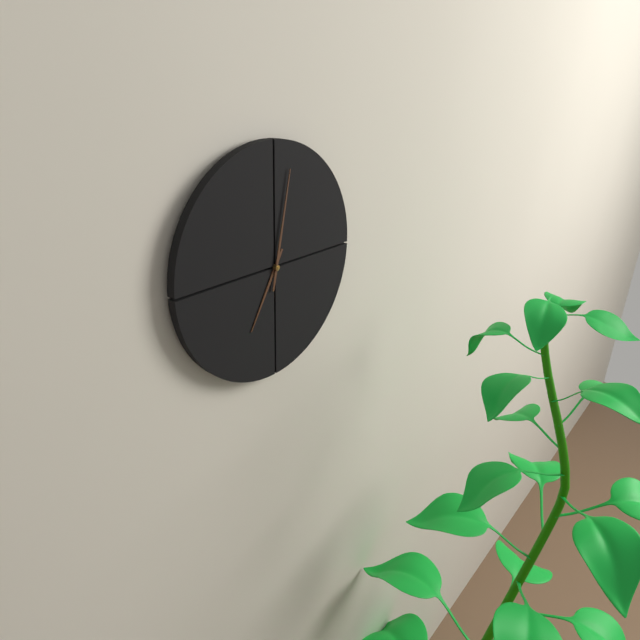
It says **7:02**
